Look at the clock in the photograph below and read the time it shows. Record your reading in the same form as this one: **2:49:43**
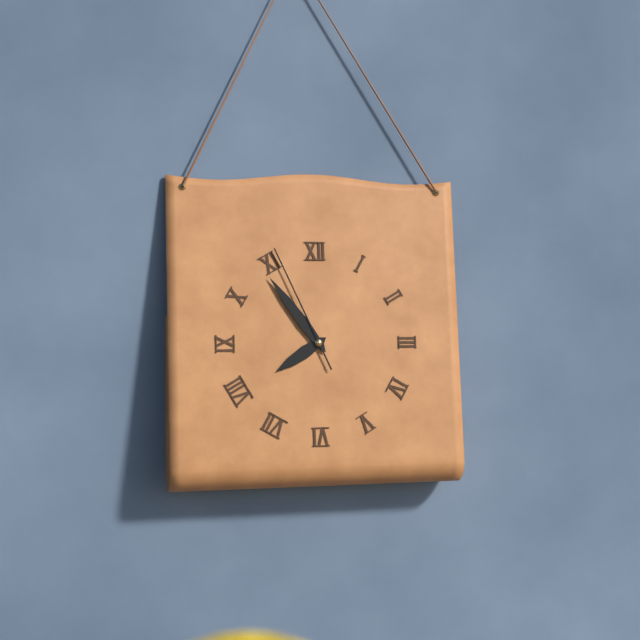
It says **7:54:56**
